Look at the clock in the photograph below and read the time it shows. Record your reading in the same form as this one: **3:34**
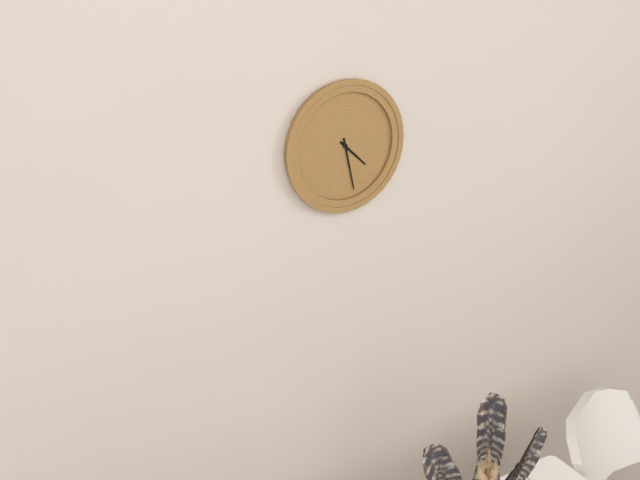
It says **4:28**
